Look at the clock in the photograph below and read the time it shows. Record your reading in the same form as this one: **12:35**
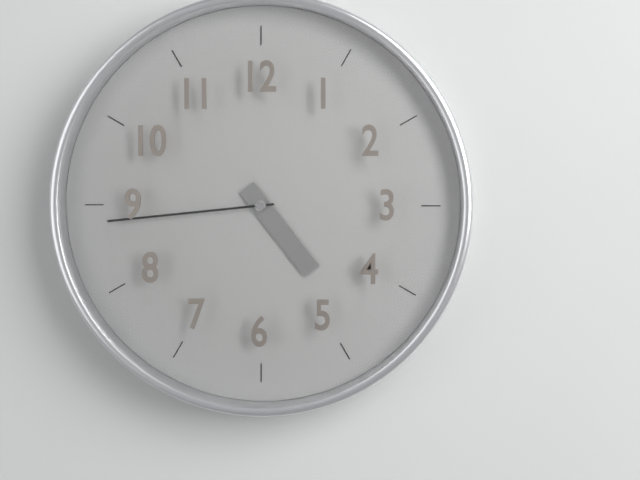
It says **4:44**
